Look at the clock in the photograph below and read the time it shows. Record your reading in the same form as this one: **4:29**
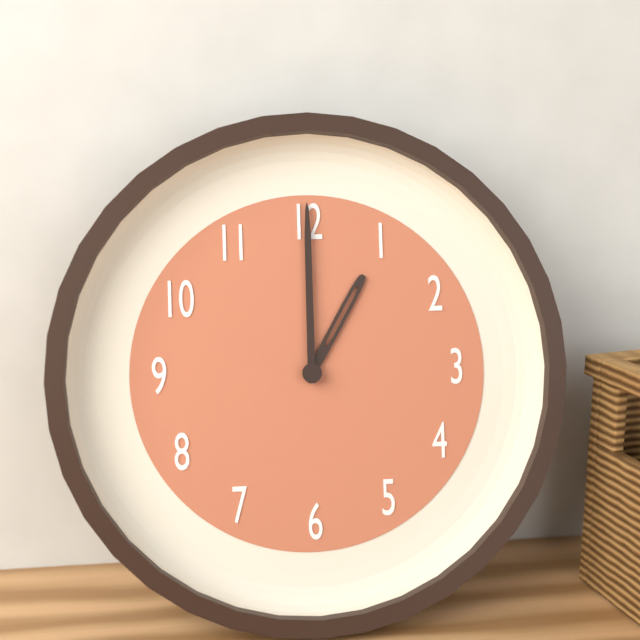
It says **1:00**
